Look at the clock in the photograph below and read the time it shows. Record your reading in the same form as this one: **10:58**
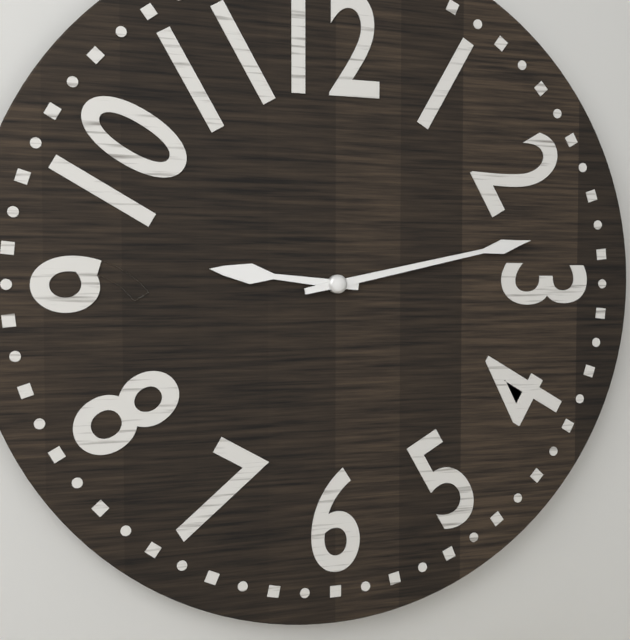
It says **9:13**
